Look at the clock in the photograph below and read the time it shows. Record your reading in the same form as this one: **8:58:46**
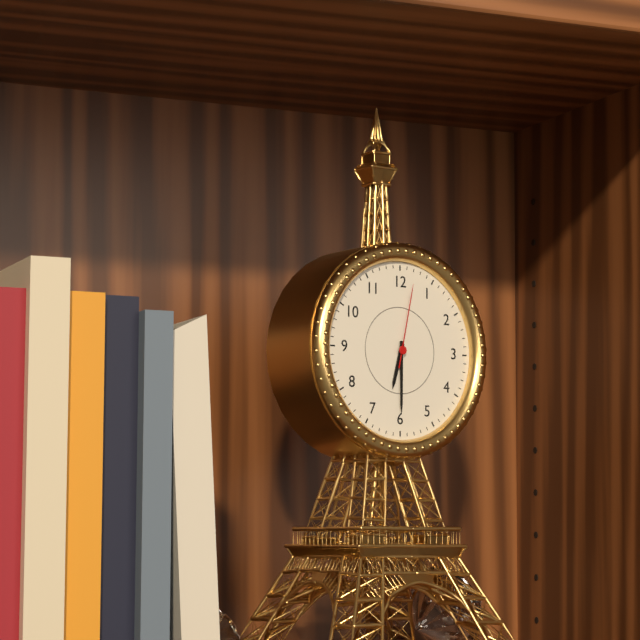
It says **6:30:02**
